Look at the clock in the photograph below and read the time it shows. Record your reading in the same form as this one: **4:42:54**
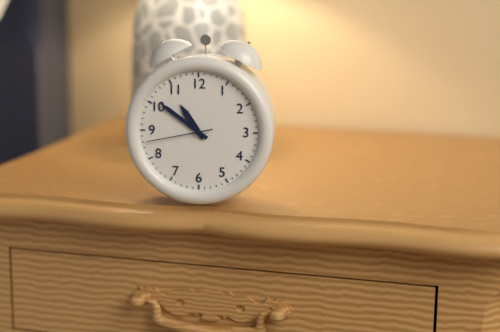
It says **10:51:43**
